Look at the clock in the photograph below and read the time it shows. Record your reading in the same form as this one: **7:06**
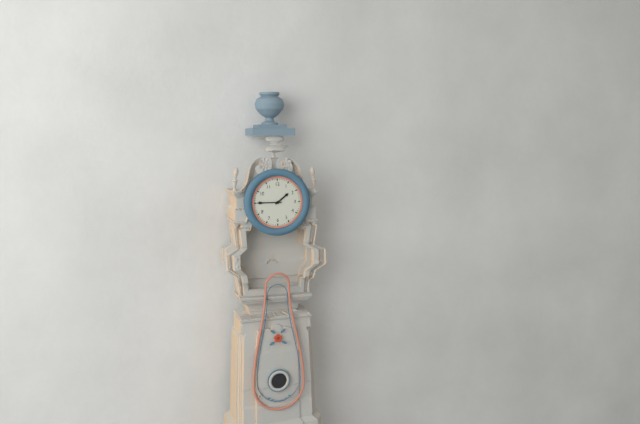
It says **1:45**
